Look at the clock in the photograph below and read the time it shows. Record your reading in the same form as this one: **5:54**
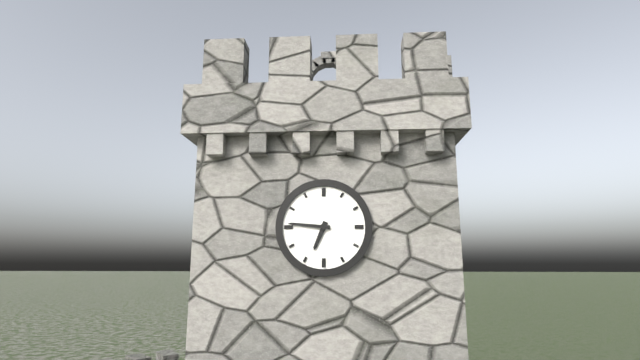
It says **6:46**
